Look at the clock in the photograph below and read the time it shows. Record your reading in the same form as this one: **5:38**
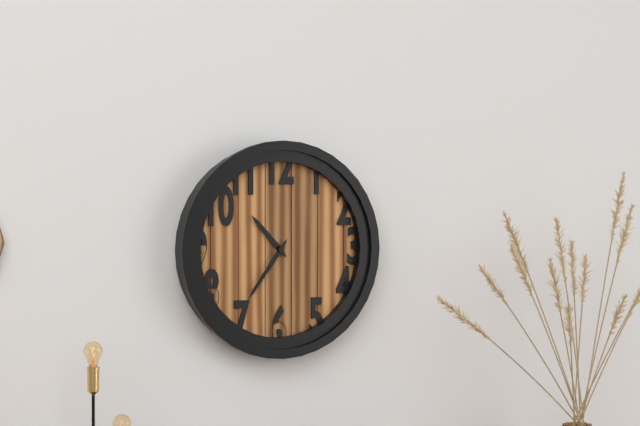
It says **10:36**
